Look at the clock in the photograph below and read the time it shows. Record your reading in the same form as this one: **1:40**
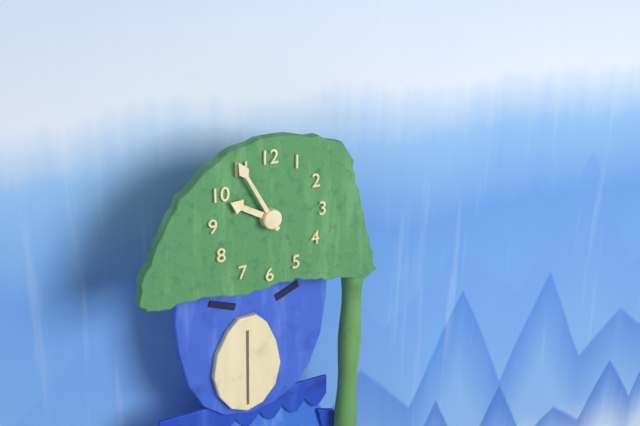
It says **9:55**
